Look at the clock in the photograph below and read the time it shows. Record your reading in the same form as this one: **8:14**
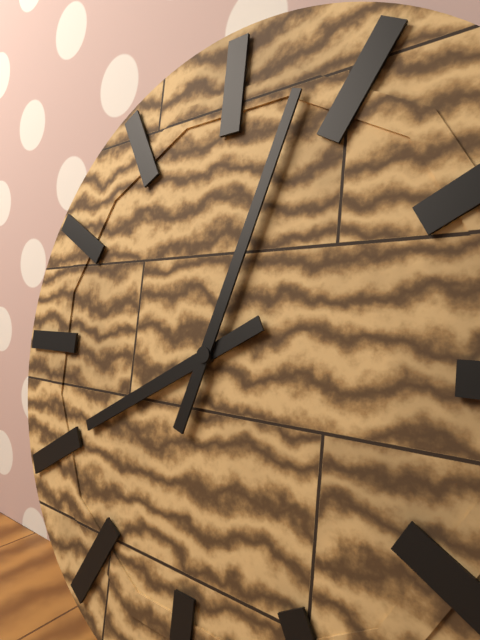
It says **8:03**
